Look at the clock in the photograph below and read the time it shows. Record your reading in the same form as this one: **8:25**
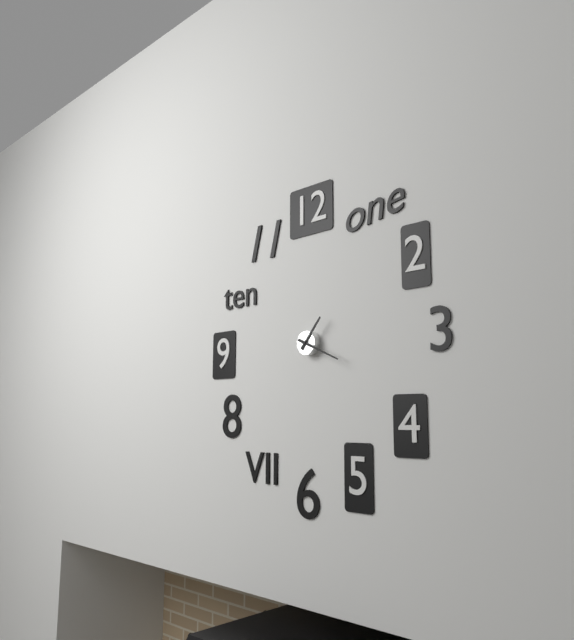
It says **1:19**
